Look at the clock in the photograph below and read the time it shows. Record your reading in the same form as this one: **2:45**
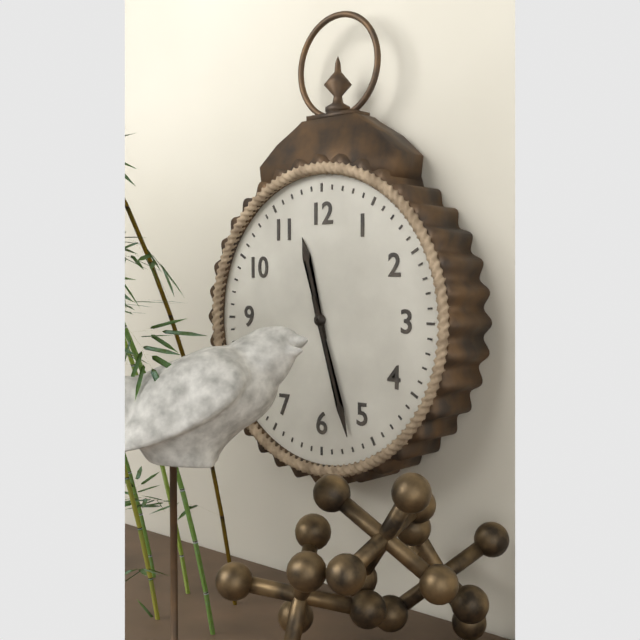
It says **11:27**
